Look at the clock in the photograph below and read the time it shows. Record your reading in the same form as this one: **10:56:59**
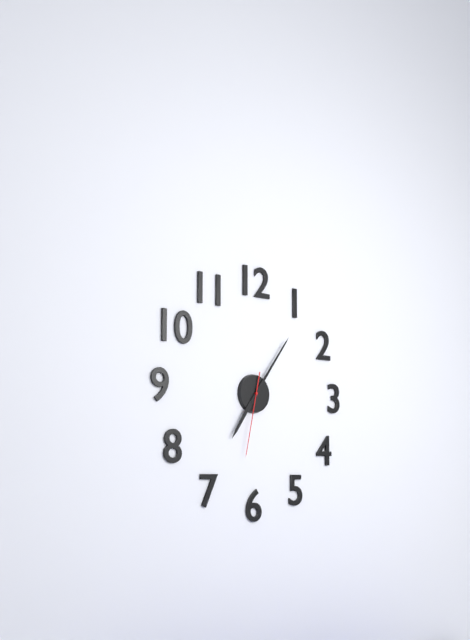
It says **7:06:32**
